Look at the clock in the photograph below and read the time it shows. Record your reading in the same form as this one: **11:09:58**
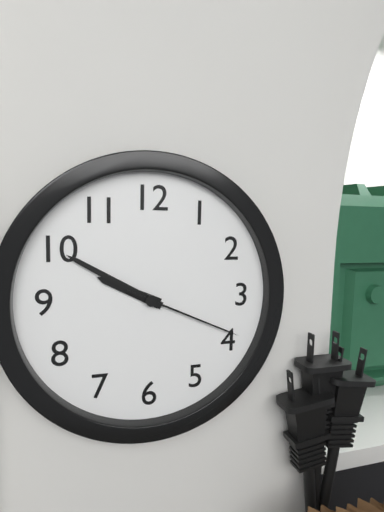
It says **9:50:19**
